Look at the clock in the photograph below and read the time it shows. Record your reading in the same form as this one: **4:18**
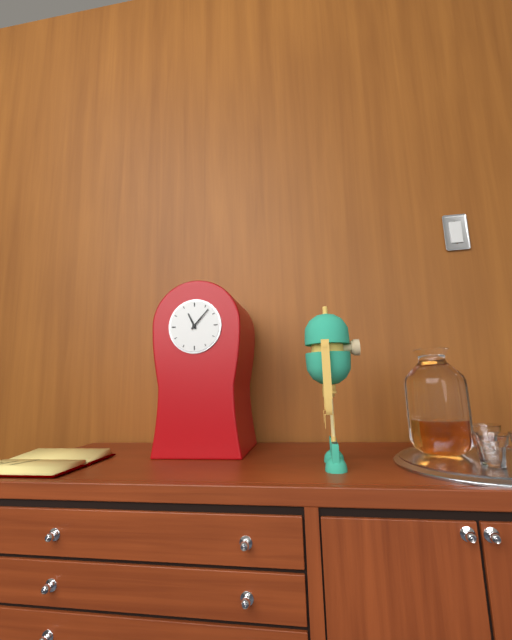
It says **11:07**
